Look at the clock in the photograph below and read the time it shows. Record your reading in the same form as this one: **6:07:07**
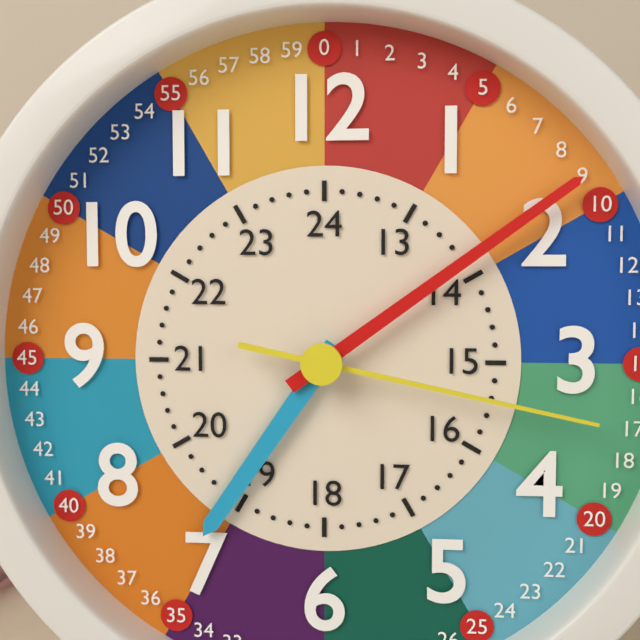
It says **7:09:17**
